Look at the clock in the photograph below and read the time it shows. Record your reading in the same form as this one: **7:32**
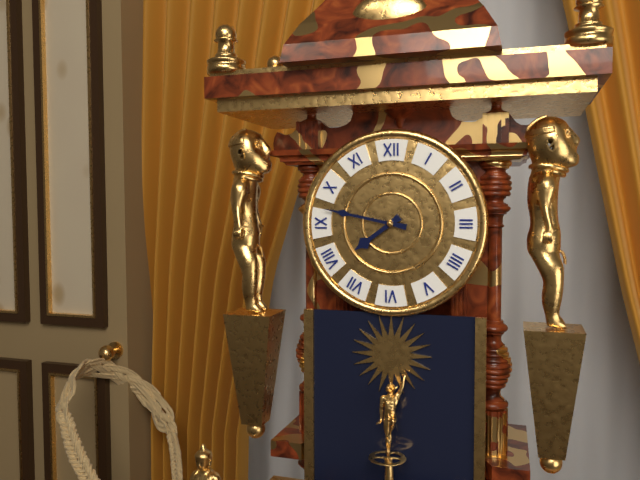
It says **7:47**
